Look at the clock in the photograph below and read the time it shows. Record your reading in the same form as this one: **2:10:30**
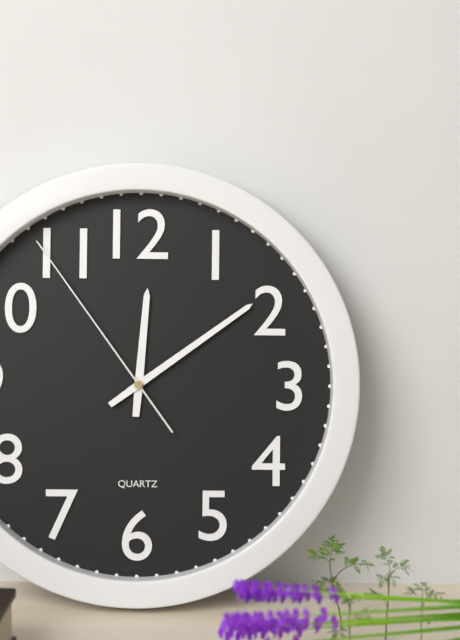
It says **12:09:54**
